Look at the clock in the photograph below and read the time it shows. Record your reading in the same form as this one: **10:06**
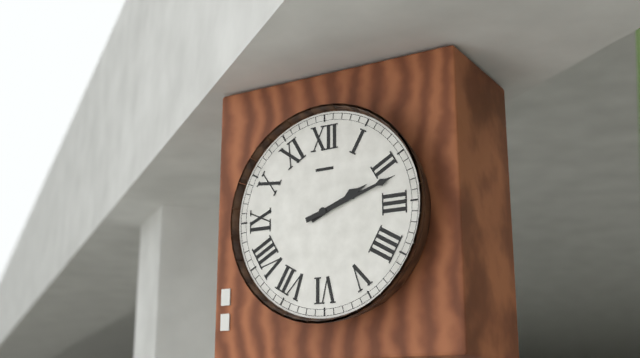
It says **2:12**
